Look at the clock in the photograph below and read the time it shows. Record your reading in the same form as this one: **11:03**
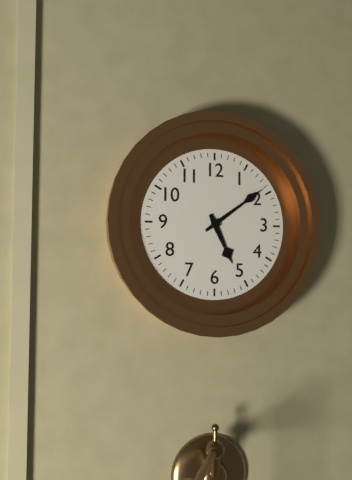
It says **5:09**
